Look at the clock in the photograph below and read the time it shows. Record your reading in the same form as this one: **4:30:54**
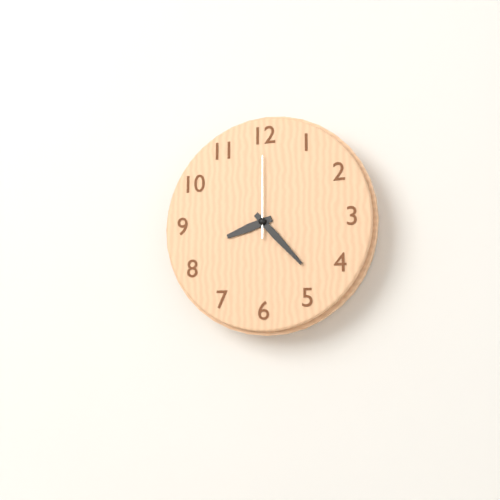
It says **8:23:00**
